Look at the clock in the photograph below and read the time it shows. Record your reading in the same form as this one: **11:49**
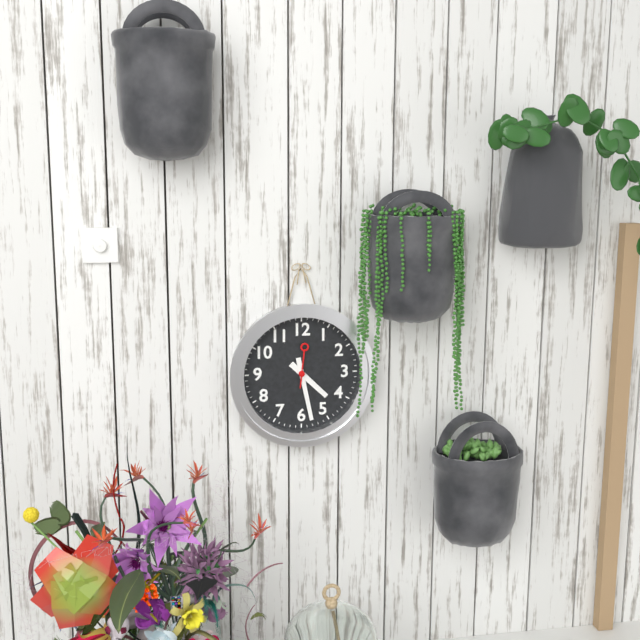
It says **4:28**
